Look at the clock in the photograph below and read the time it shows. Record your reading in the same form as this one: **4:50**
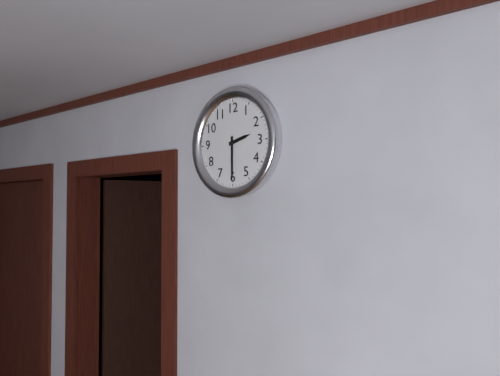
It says **2:30**
